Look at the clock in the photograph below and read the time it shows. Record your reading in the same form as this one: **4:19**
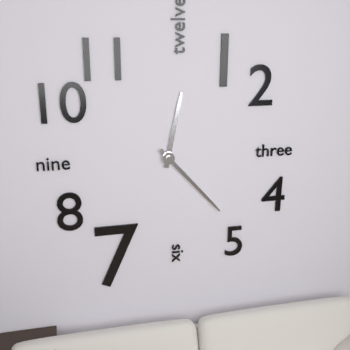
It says **12:23**
